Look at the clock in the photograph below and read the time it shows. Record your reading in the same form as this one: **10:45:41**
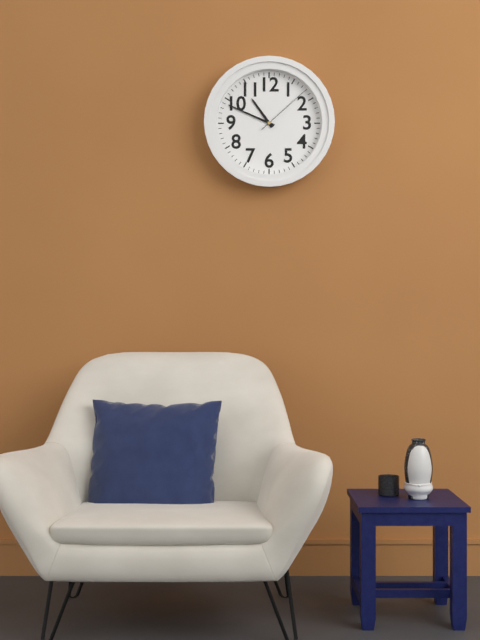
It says **10:49:08**
